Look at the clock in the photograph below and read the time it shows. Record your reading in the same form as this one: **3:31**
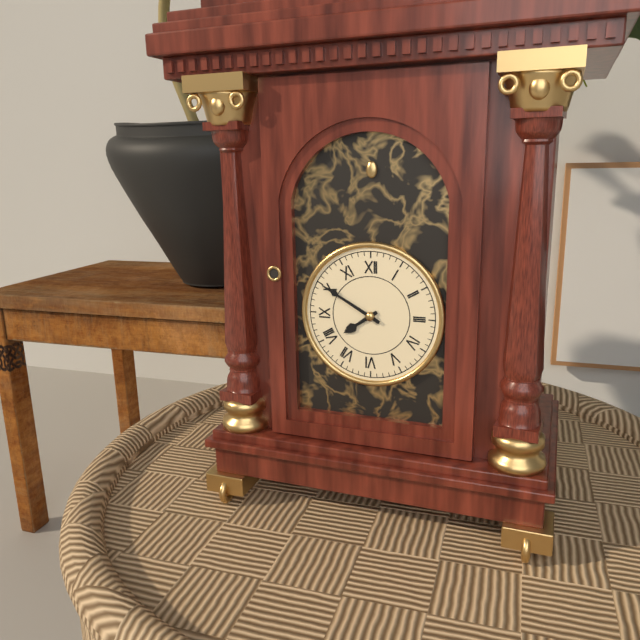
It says **7:50**
